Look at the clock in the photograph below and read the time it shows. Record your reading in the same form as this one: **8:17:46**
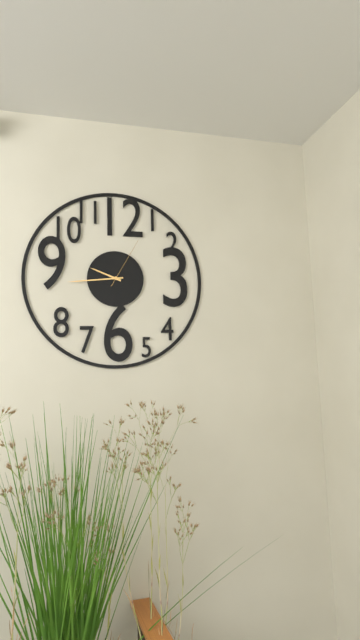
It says **9:44:05**
